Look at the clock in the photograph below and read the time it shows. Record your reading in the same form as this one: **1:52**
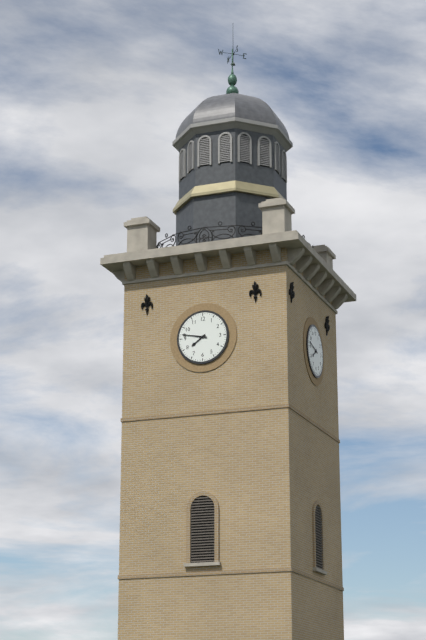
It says **7:47**
